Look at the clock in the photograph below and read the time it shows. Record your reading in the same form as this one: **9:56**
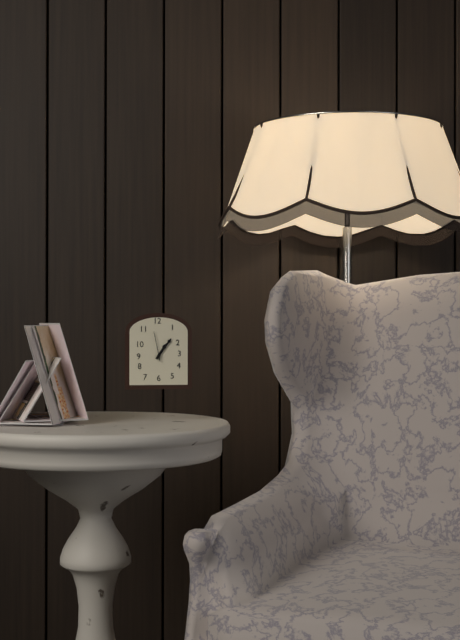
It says **1:06**
